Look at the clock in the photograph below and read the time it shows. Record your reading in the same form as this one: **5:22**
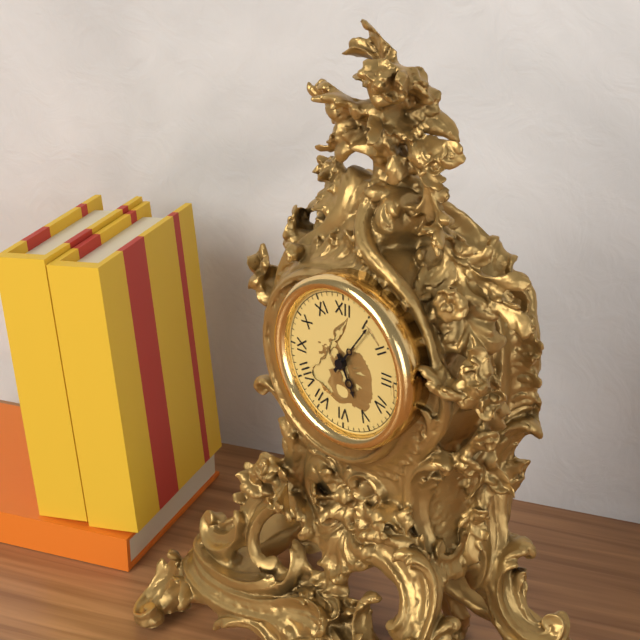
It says **5:06**
